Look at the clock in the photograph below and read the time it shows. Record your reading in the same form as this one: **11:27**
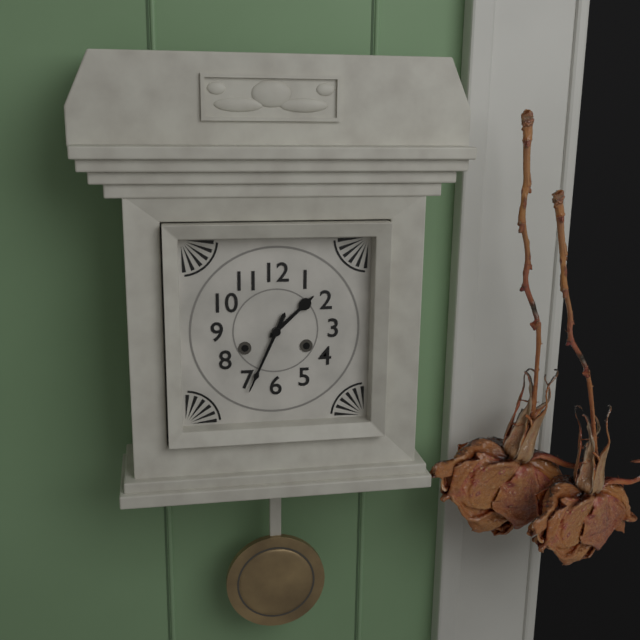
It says **1:34**
